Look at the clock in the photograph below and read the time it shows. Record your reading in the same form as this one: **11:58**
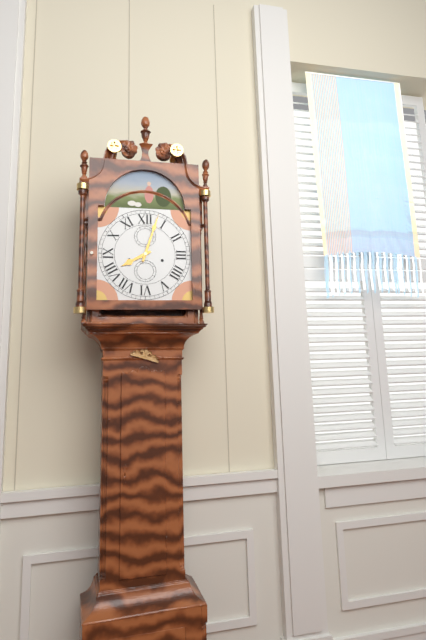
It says **8:03**
